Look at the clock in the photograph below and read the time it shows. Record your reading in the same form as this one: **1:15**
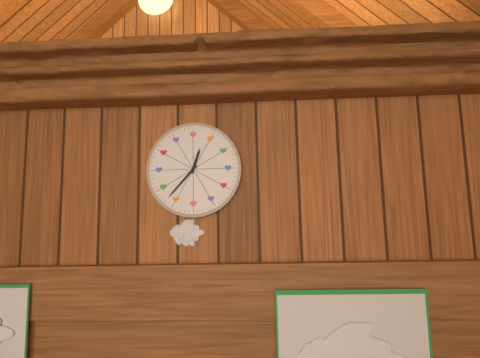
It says **12:37**
